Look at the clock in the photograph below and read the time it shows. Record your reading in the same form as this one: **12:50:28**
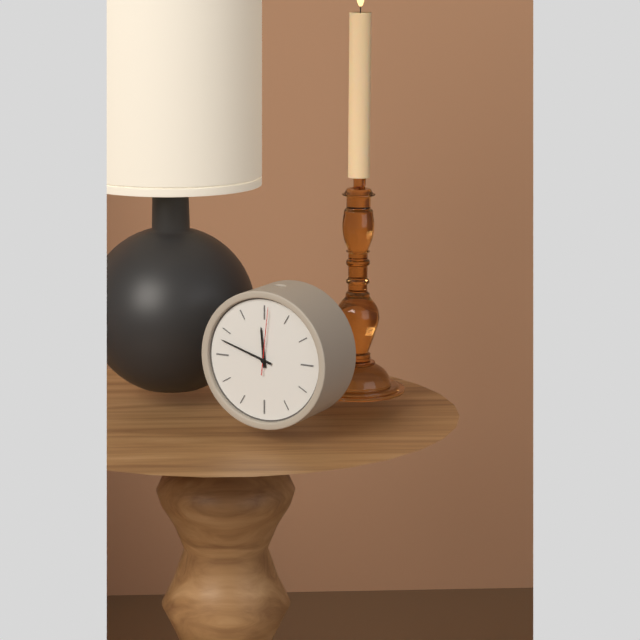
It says **11:48:01**
